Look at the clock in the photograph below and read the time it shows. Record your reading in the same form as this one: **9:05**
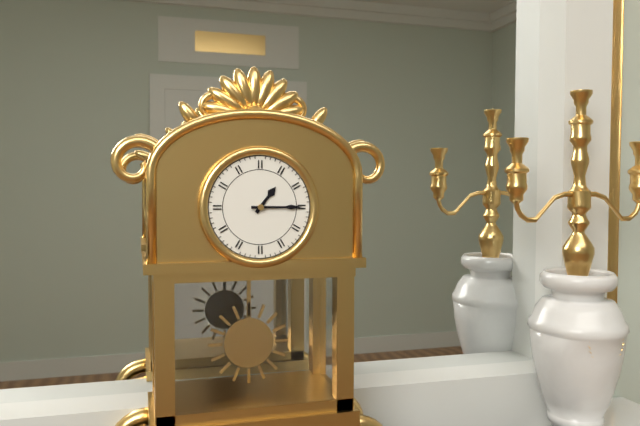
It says **1:15**
